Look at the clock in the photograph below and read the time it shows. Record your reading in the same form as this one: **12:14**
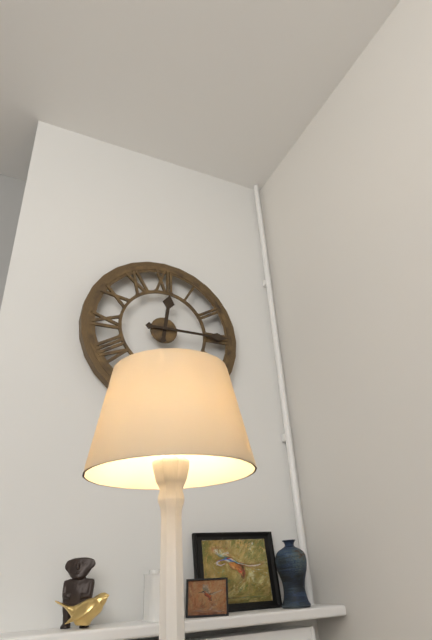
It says **12:15**
